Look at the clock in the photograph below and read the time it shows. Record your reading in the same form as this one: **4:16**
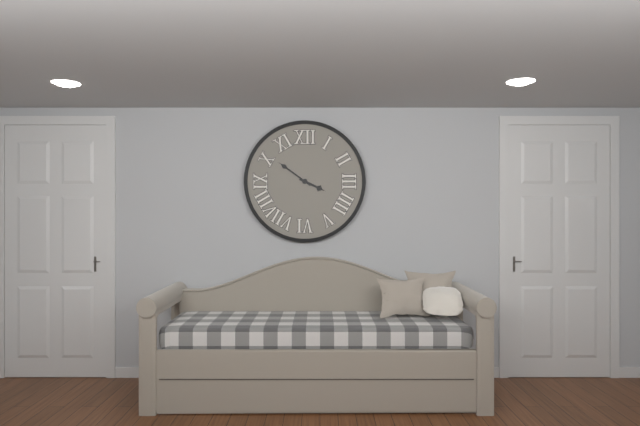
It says **3:51**
